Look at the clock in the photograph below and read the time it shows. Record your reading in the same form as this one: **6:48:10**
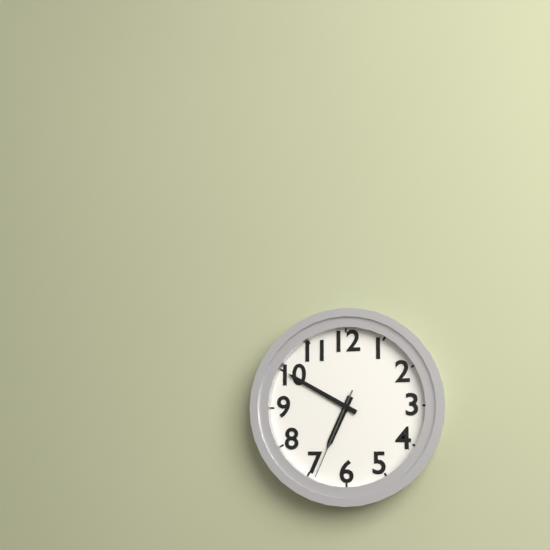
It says **6:50:34**
